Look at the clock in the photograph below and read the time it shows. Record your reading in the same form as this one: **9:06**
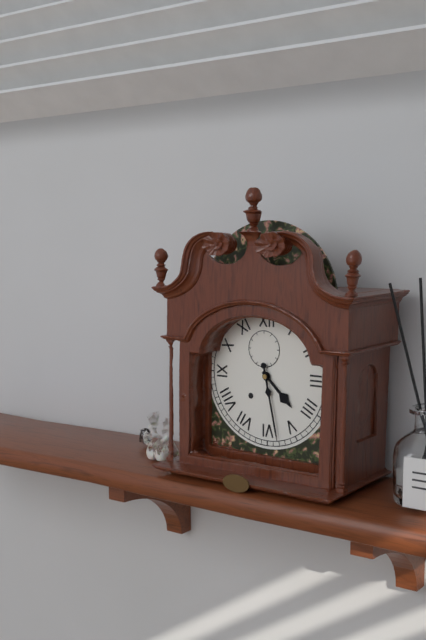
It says **4:28**
